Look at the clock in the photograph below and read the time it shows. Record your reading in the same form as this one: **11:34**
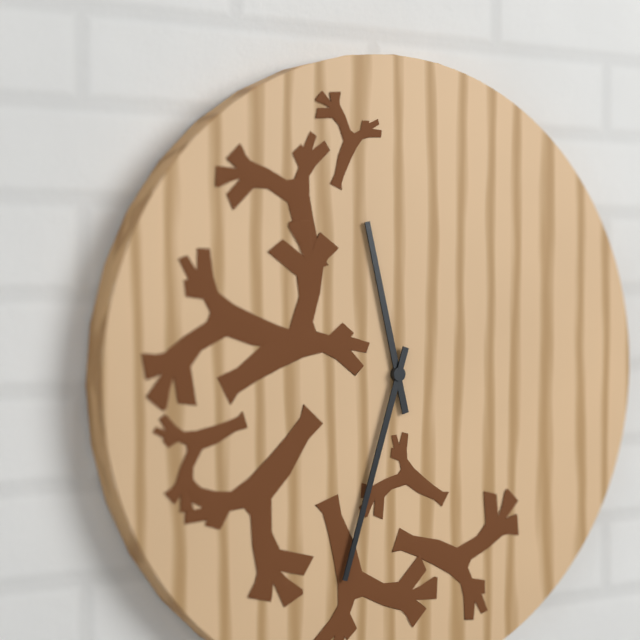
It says **11:33**
